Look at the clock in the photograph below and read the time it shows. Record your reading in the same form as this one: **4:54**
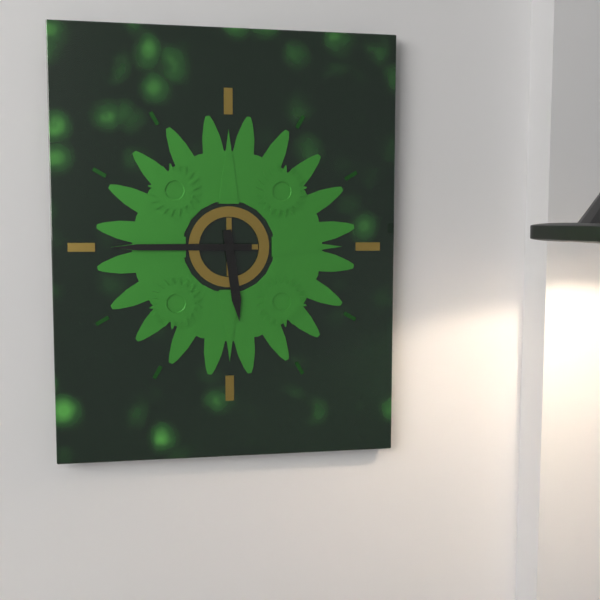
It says **5:45**
